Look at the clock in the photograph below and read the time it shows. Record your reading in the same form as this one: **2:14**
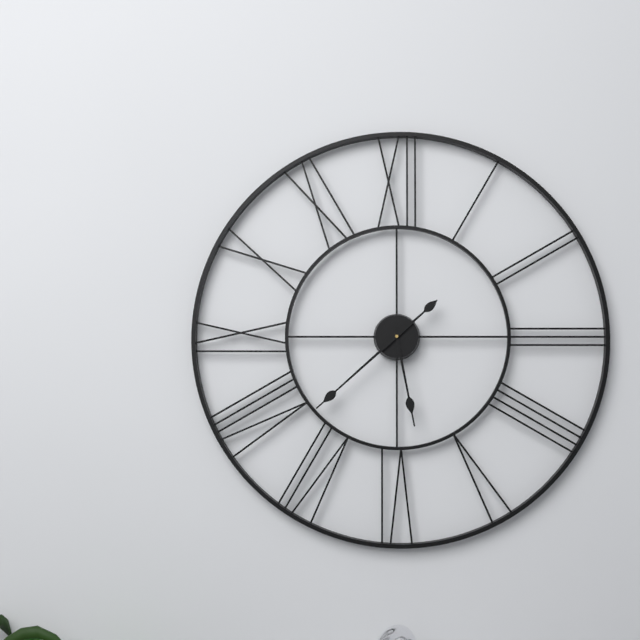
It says **5:38**
